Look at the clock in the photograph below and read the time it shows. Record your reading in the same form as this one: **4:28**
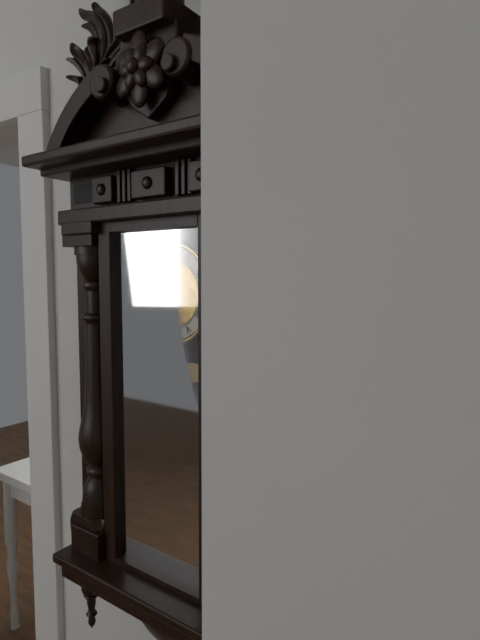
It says **8:43**
